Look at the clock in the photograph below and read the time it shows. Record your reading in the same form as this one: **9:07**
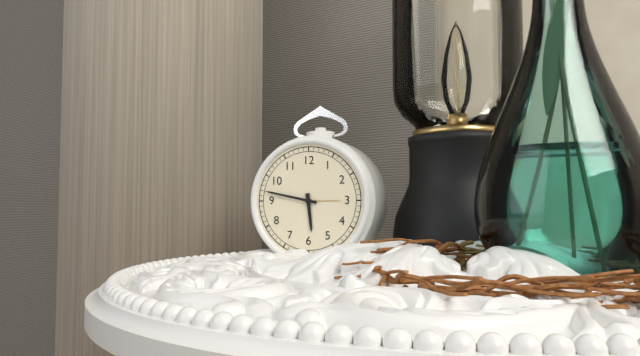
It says **5:47**
